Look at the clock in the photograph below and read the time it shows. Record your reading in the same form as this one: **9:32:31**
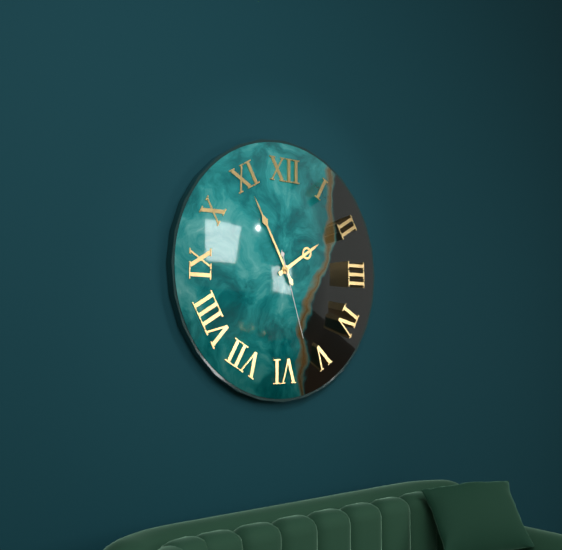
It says **1:55:27**
